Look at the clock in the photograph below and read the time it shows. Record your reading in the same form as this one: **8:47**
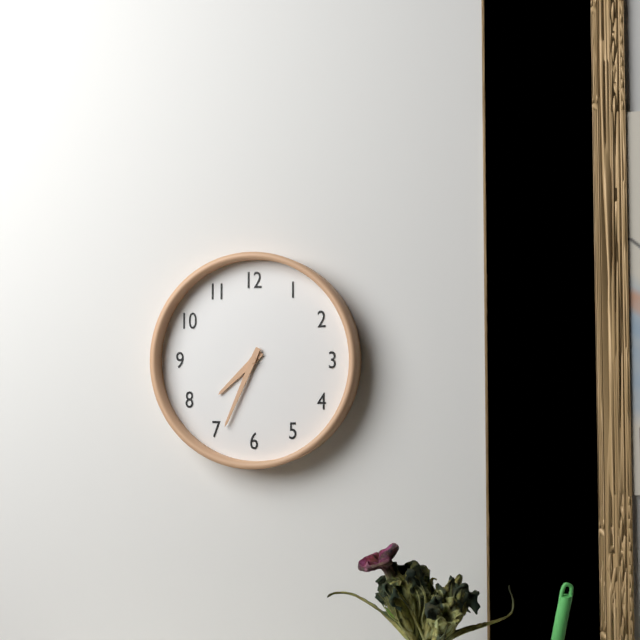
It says **7:34**
